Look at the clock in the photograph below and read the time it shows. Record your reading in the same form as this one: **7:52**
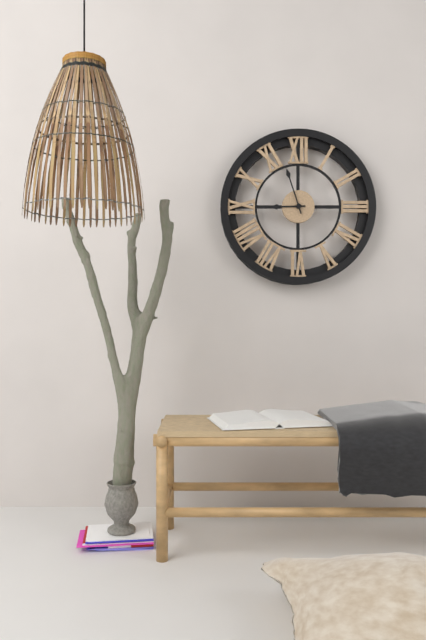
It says **8:57**
